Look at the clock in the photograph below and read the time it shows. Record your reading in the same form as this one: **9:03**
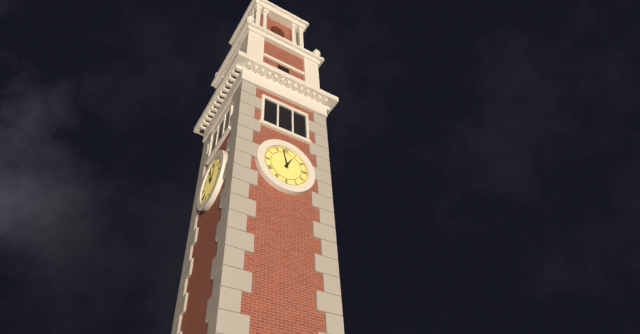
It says **12:58**
